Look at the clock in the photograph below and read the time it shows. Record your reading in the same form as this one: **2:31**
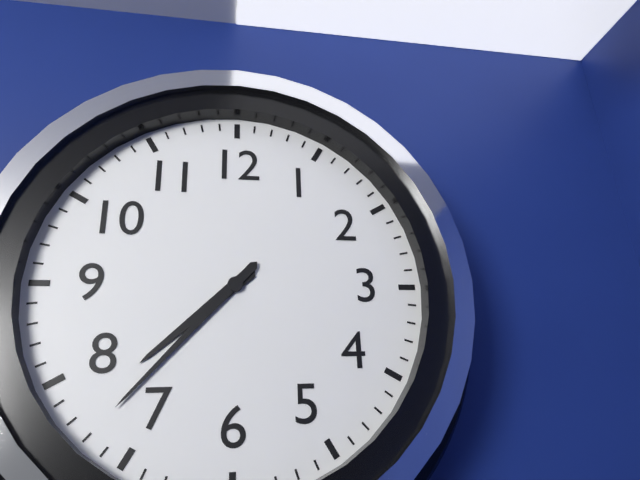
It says **7:37**
